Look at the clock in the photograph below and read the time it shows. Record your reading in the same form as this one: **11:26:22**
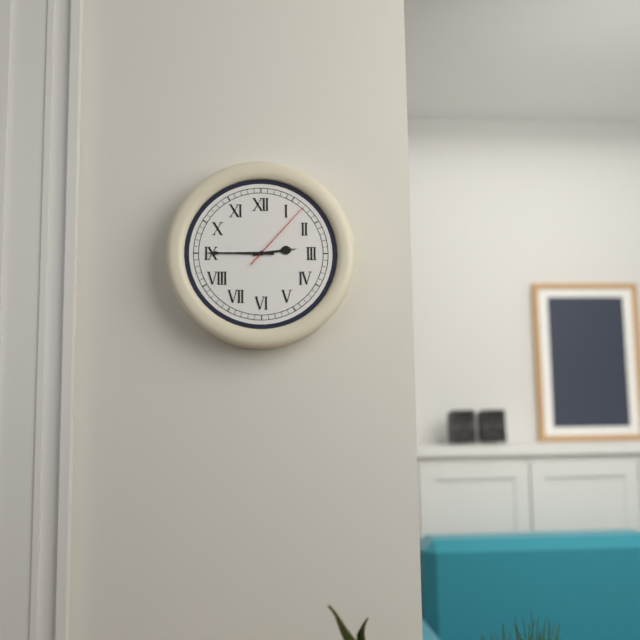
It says **2:45:07**
